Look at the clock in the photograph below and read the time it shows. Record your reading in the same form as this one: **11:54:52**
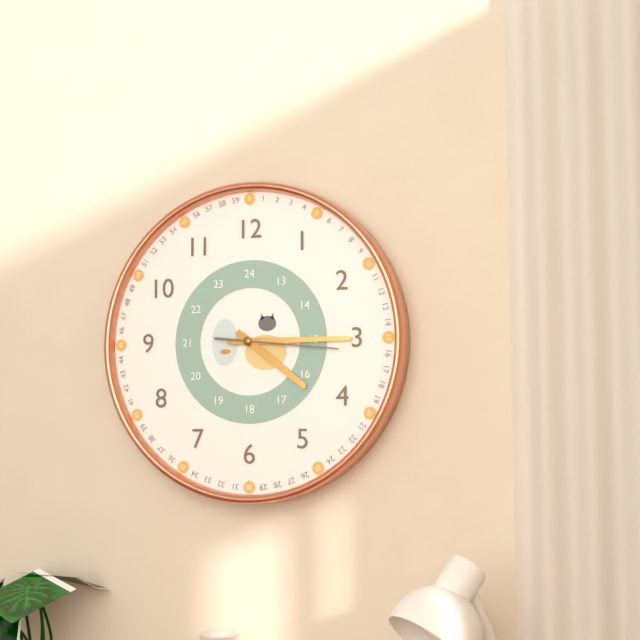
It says **4:15:16**
